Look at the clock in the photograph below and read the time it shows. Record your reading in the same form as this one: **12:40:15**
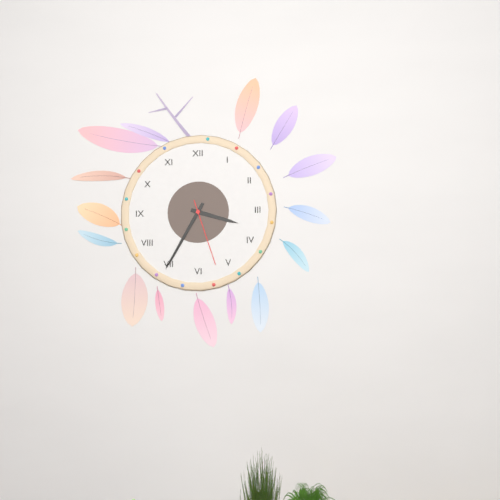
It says **3:35:27**
